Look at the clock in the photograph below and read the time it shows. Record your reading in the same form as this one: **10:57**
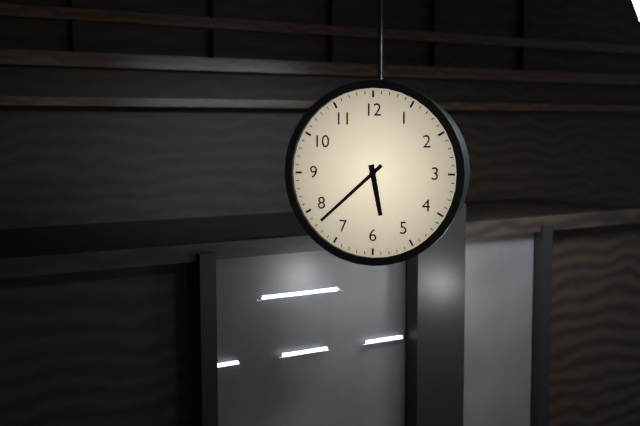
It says **5:38**
